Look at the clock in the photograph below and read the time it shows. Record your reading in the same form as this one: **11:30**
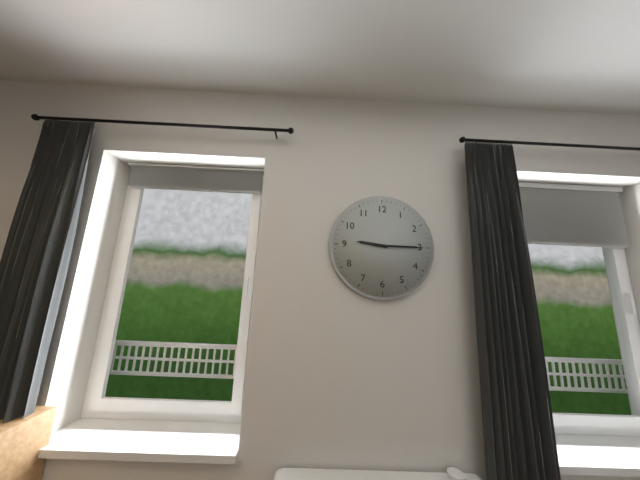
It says **9:15**
